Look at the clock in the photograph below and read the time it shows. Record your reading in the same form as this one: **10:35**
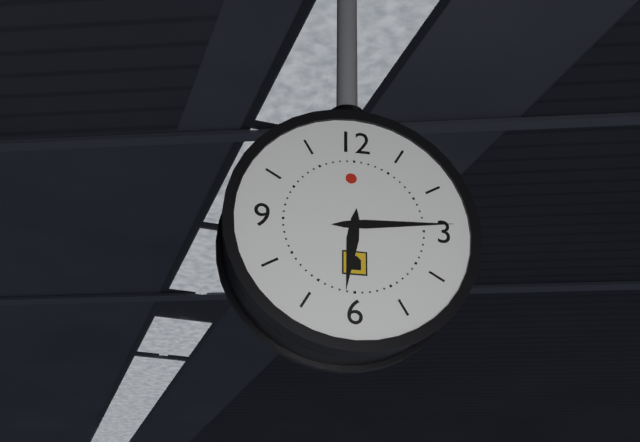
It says **6:14**
